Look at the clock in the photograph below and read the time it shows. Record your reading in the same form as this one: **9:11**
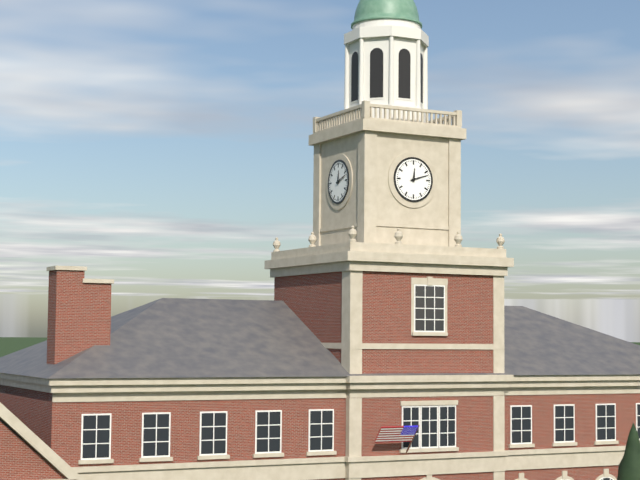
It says **12:12**
